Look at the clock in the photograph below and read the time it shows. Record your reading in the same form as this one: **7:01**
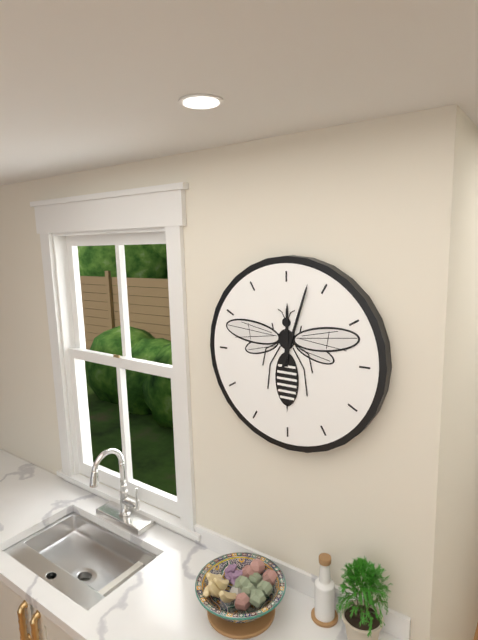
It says **12:03**
